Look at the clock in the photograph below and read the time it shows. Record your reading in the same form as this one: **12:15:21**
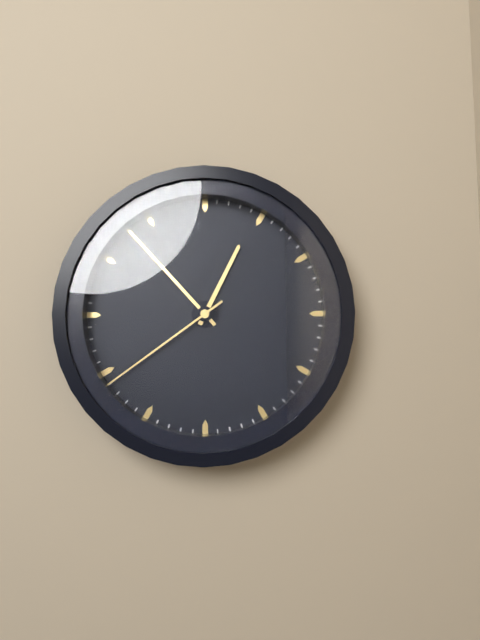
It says **12:53:39**
